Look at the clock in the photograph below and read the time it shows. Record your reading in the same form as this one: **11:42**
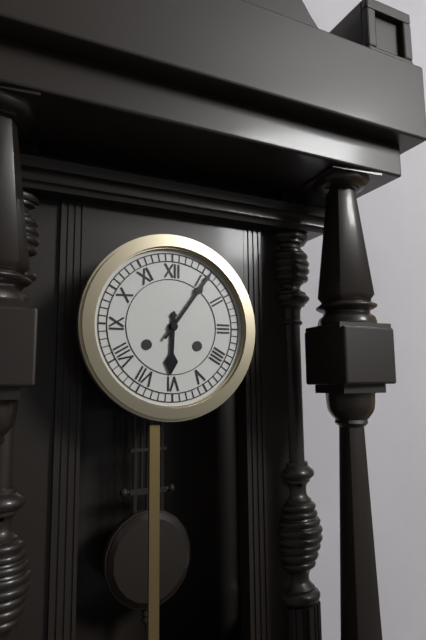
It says **6:06**
